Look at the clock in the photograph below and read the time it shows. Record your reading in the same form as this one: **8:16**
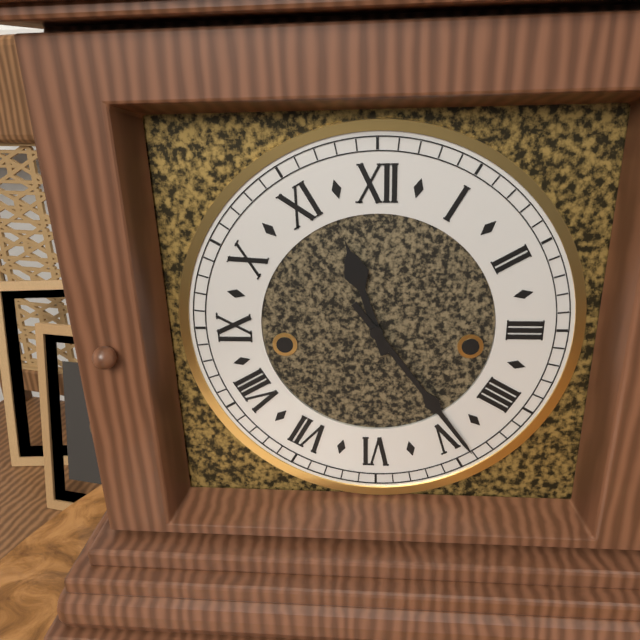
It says **11:24**
